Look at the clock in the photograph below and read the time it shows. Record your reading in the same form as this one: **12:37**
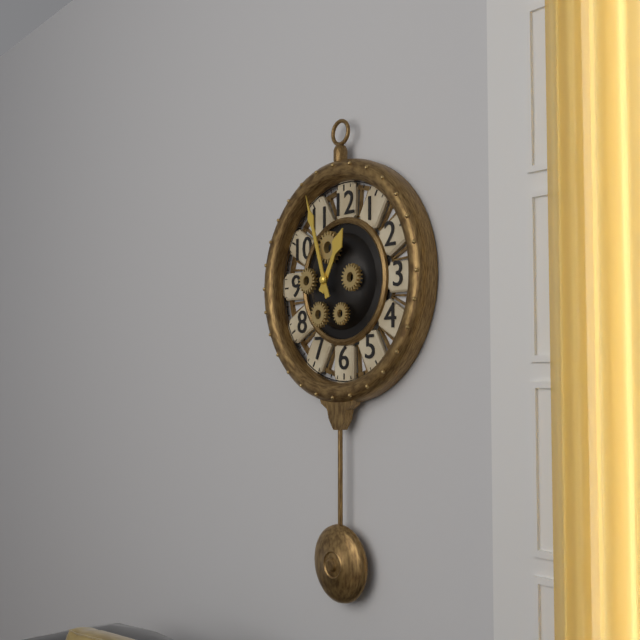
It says **12:57**
